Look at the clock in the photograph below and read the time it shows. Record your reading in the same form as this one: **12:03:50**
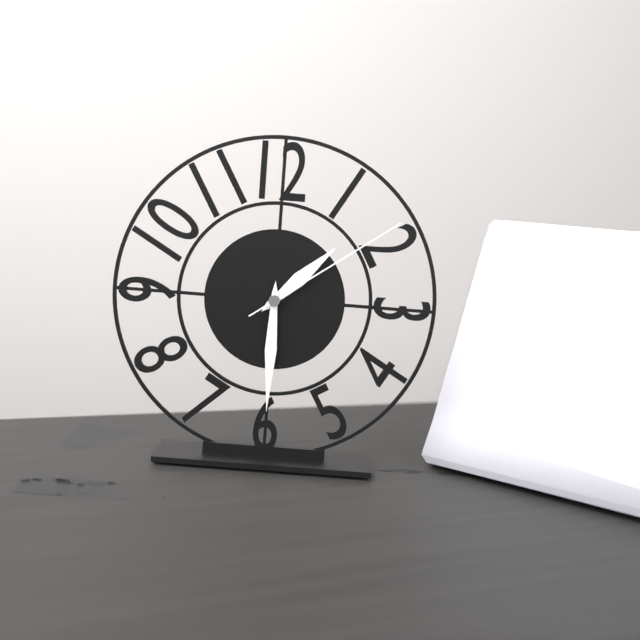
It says **1:30:09**
